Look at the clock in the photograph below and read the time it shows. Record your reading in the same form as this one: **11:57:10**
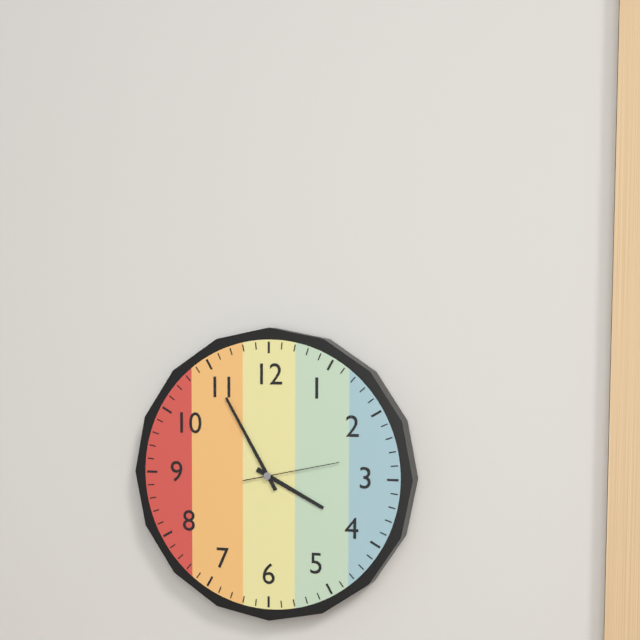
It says **3:55:13**
